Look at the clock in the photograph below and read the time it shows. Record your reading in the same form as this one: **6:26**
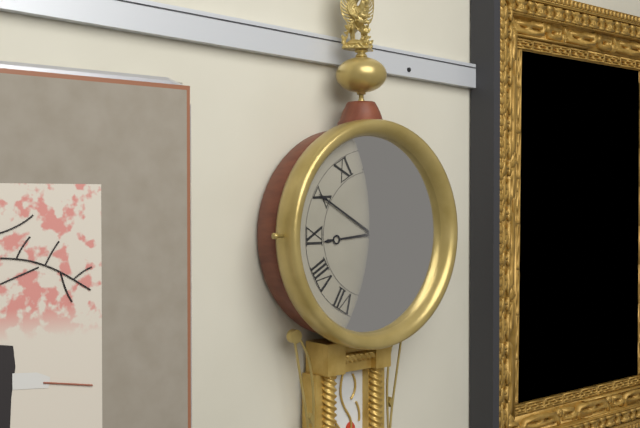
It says **8:50**
